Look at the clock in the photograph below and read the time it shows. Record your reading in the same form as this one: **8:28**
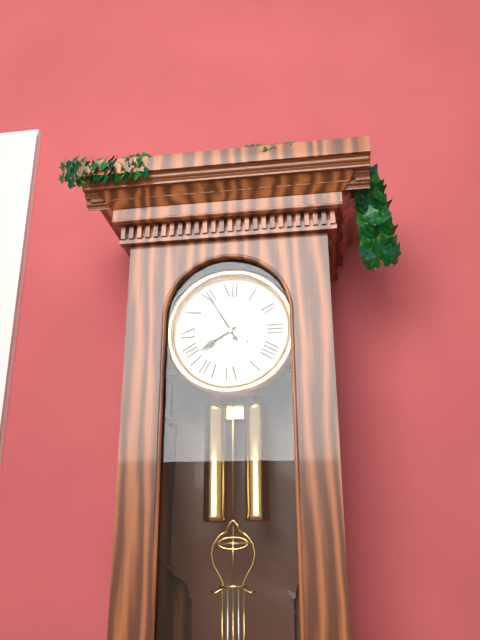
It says **7:55**
